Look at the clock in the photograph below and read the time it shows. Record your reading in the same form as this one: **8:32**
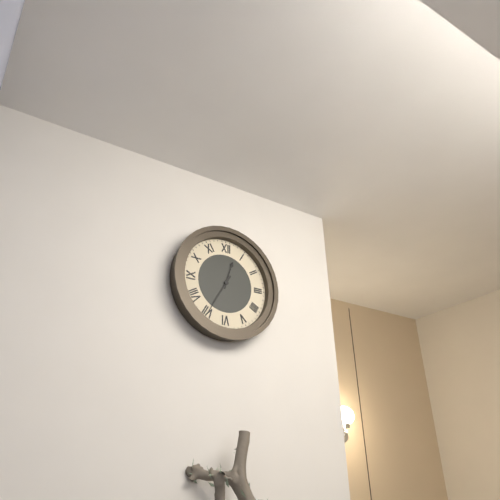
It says **12:35**
